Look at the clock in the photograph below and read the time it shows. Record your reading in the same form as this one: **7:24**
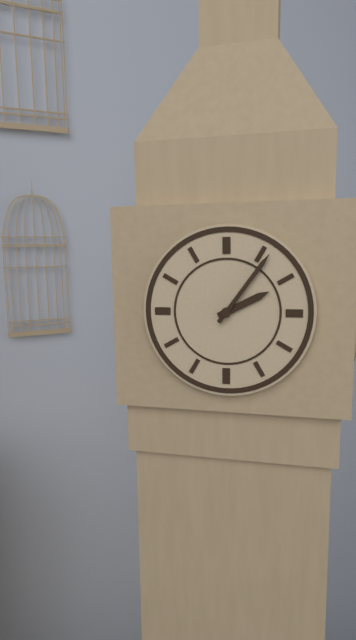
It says **2:06**
